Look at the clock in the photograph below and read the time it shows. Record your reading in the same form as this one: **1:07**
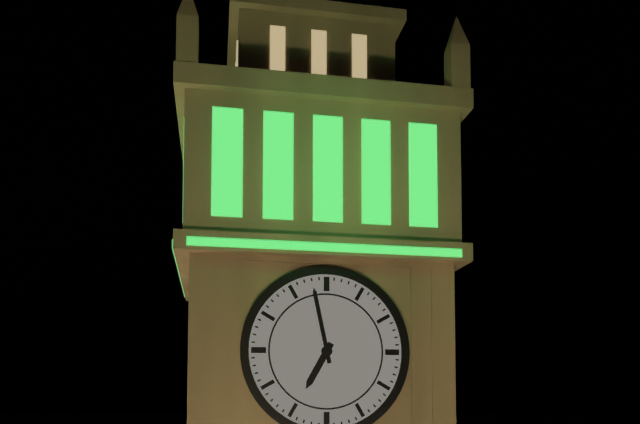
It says **6:58**
